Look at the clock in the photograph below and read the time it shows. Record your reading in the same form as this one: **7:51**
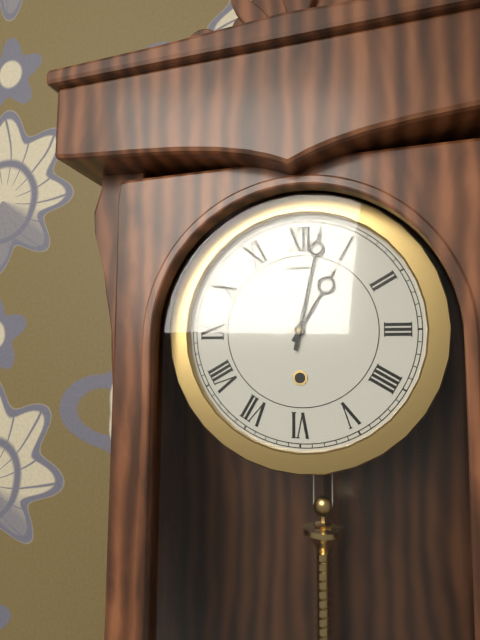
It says **1:02**
